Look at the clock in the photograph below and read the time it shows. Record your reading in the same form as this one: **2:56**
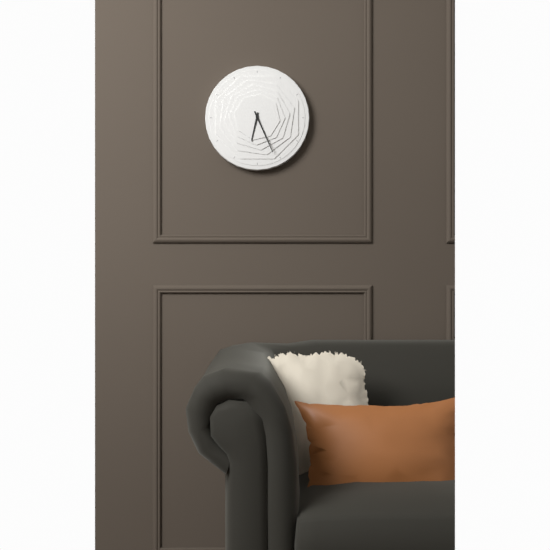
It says **6:26**
